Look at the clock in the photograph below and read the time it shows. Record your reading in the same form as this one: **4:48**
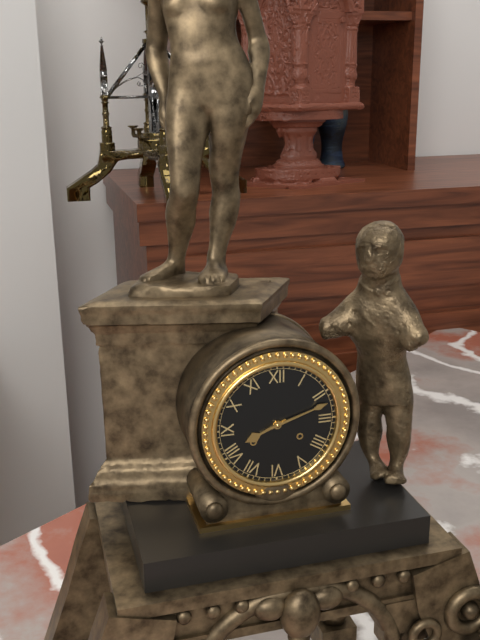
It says **8:12**
